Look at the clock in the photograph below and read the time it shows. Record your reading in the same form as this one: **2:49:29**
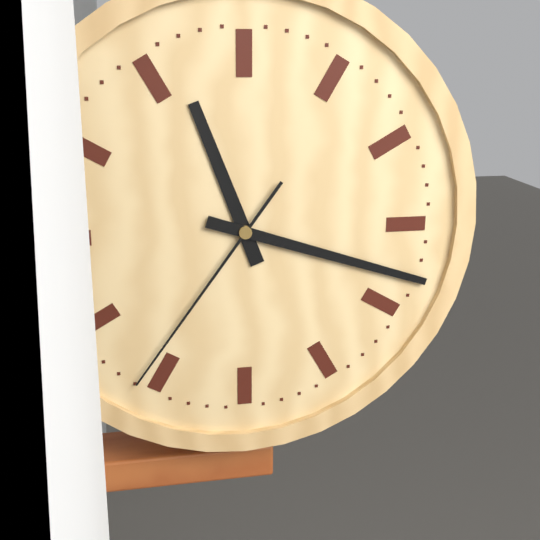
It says **11:18:36**
